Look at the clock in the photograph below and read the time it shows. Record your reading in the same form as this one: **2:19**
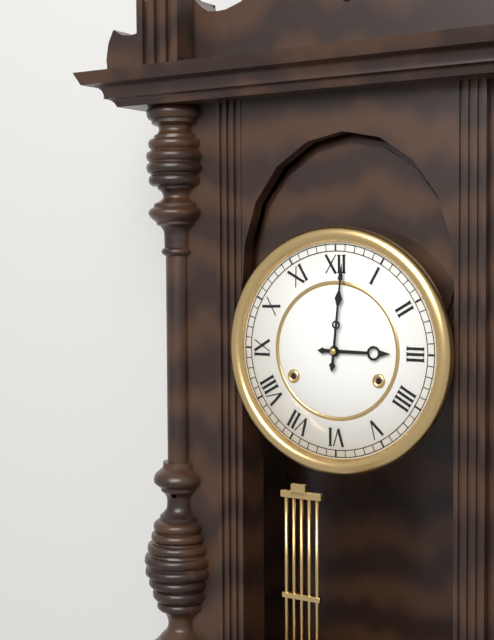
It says **3:01**
